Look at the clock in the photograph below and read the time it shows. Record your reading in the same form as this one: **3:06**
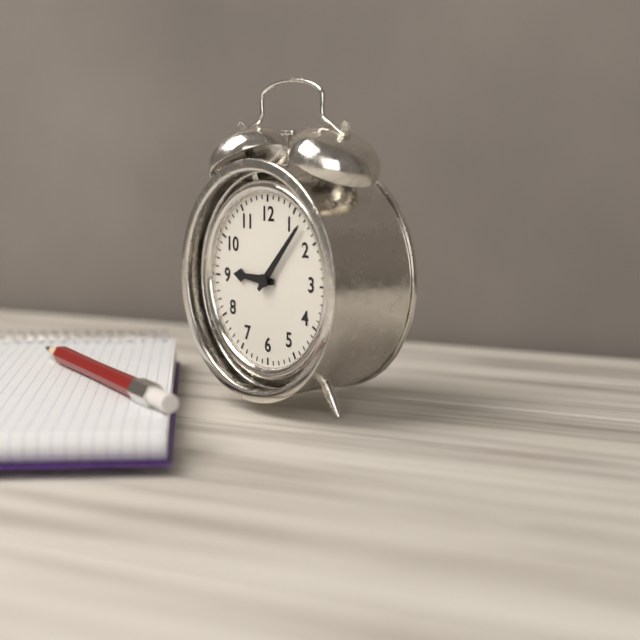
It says **9:07**
